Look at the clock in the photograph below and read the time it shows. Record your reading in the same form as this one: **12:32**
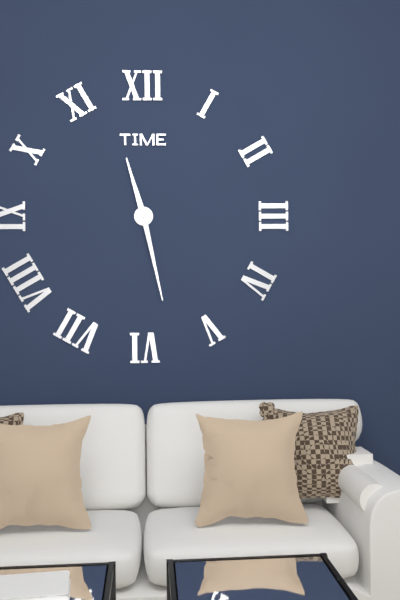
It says **11:28**
